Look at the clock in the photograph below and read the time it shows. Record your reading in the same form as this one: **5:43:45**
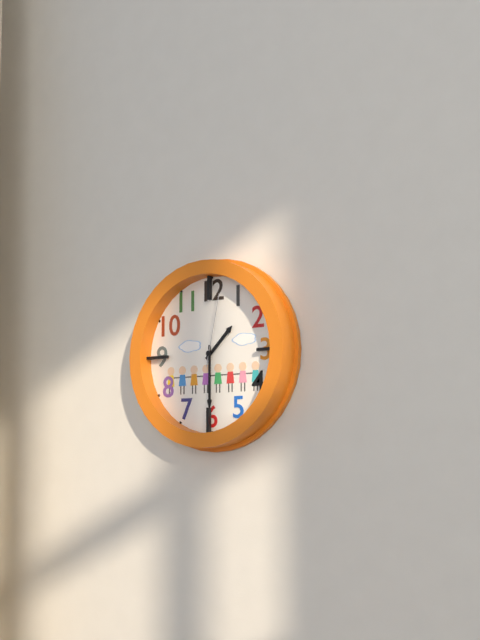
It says **1:30:02**
